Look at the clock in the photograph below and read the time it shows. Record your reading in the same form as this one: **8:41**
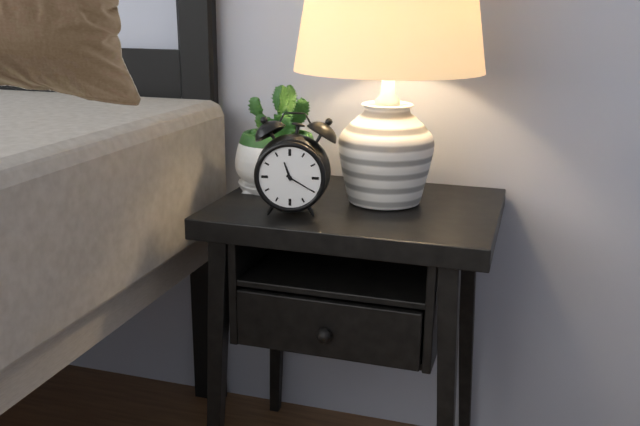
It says **11:20**
